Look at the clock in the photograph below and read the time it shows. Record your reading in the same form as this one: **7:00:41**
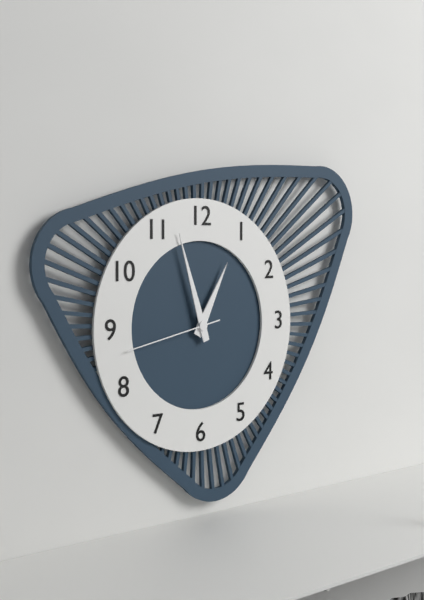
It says **12:57:43**
